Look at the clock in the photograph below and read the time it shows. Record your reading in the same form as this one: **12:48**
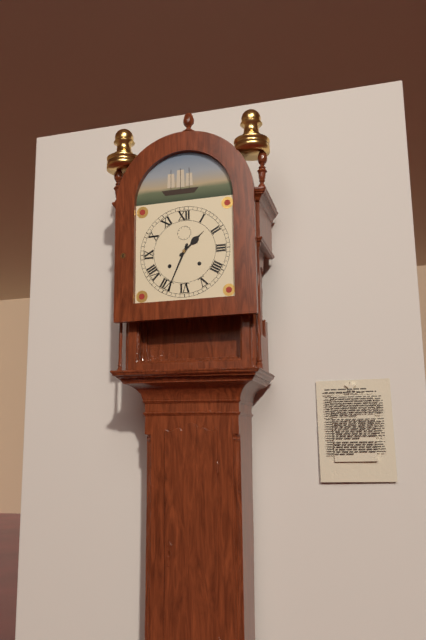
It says **1:34**
